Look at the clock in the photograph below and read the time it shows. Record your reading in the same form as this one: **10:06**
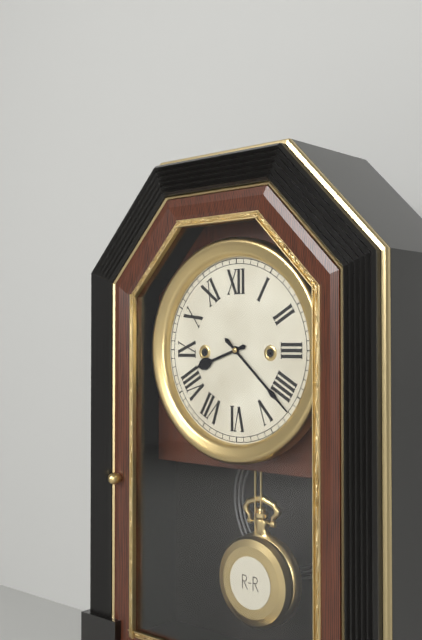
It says **8:22**
